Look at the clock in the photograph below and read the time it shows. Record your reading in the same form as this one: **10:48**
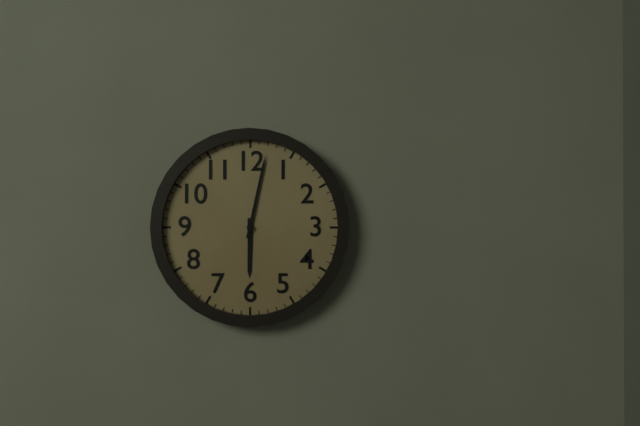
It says **6:02**
